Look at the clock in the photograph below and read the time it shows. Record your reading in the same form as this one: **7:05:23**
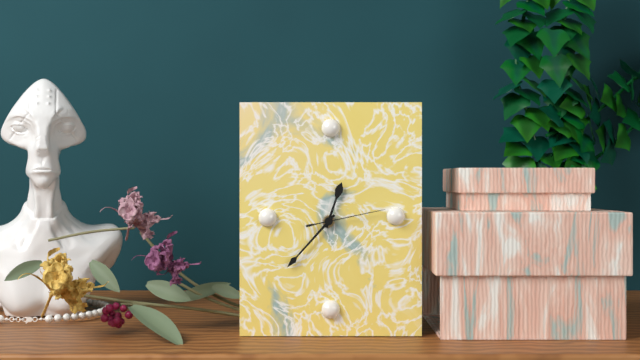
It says **12:37:13**
